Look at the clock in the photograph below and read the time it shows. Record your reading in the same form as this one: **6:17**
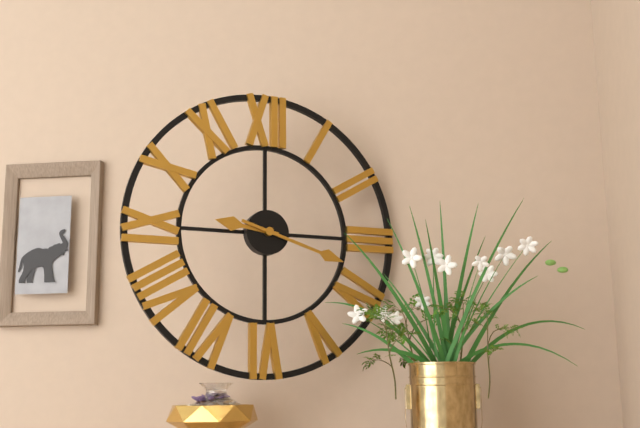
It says **9:18**
